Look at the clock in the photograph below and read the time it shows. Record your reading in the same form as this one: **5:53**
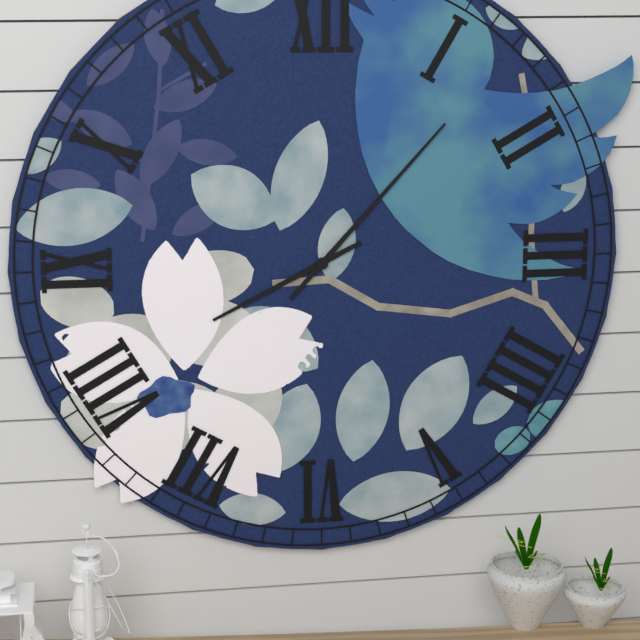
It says **8:07**
